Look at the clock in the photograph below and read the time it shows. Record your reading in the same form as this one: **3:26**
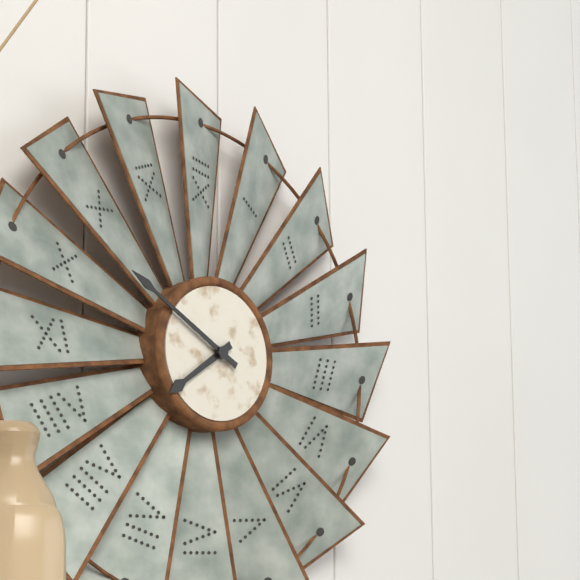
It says **7:50**
